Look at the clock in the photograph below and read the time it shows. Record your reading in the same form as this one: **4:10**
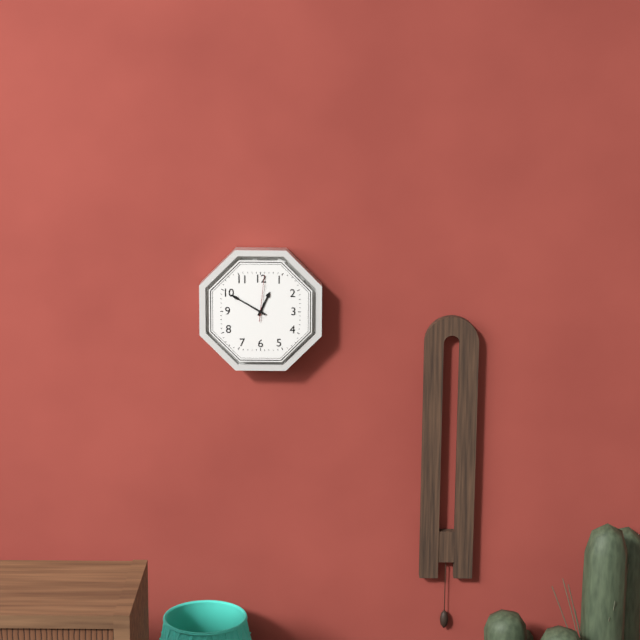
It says **12:50**
